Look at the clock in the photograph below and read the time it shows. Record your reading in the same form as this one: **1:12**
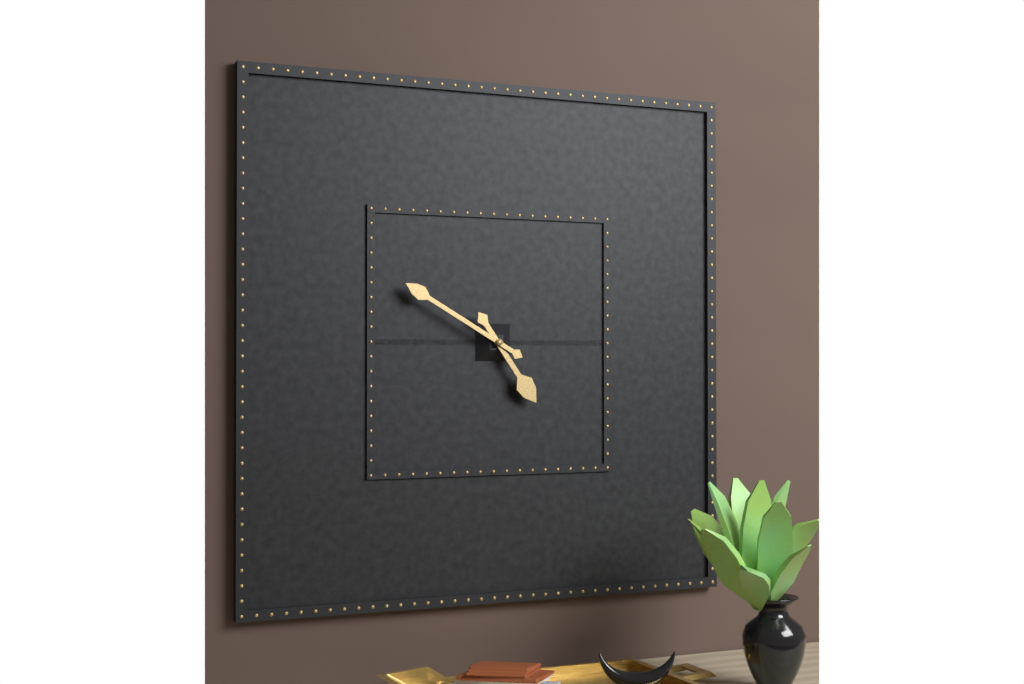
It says **4:50**
